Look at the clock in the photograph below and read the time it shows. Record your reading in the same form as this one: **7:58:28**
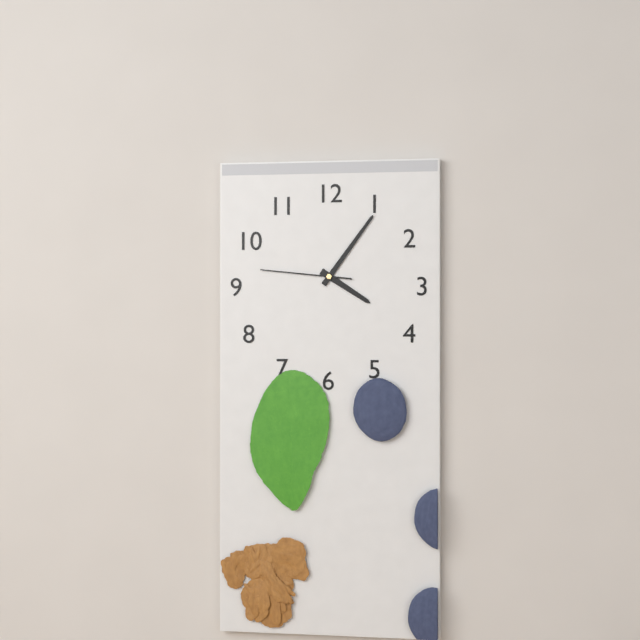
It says **4:06:46**
